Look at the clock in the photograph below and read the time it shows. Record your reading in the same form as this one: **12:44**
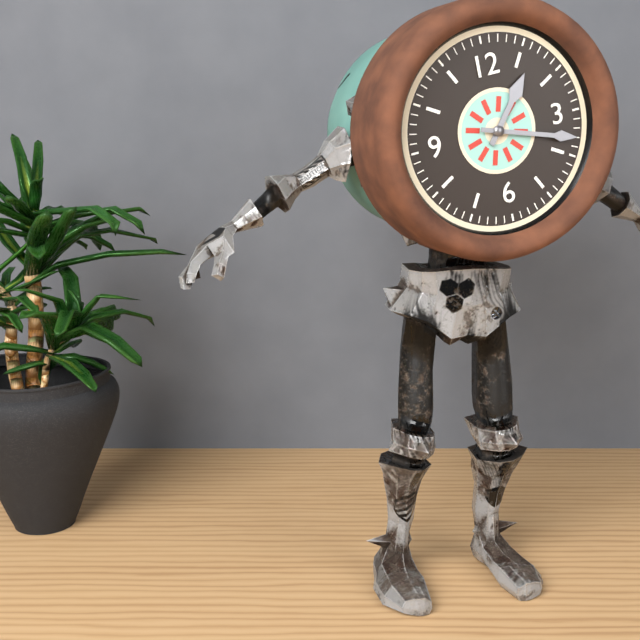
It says **1:18**
